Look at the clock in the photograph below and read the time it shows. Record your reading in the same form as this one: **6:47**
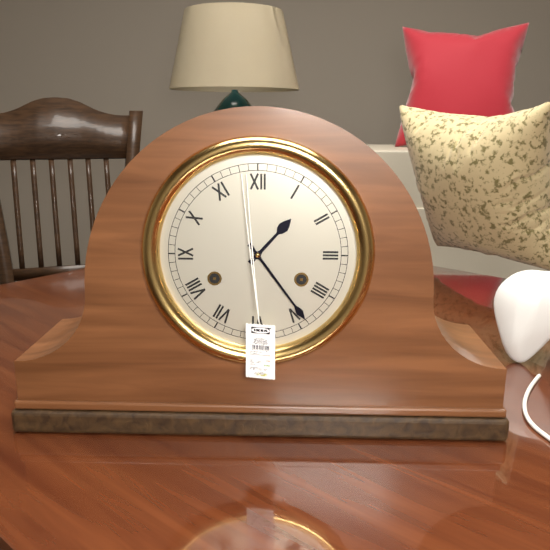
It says **1:24**
